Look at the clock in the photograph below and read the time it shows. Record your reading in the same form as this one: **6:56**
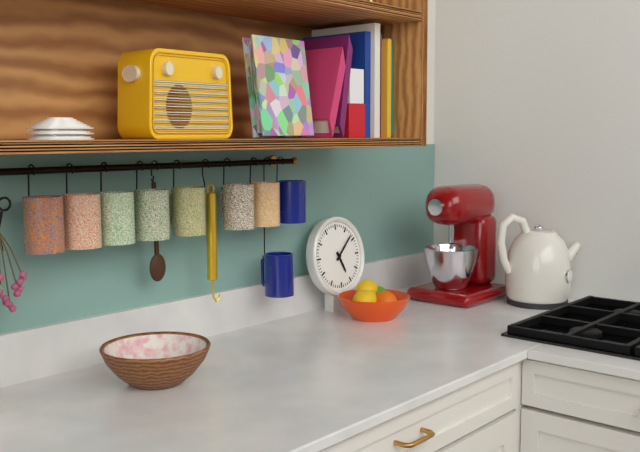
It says **5:08**
